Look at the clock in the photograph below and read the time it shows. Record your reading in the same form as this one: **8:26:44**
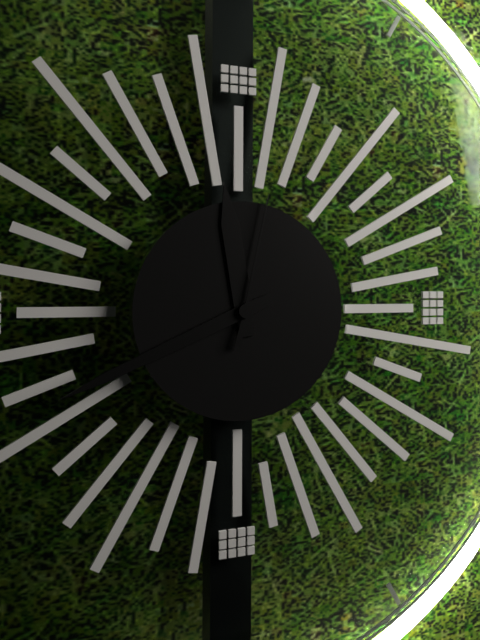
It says **11:41:02**
